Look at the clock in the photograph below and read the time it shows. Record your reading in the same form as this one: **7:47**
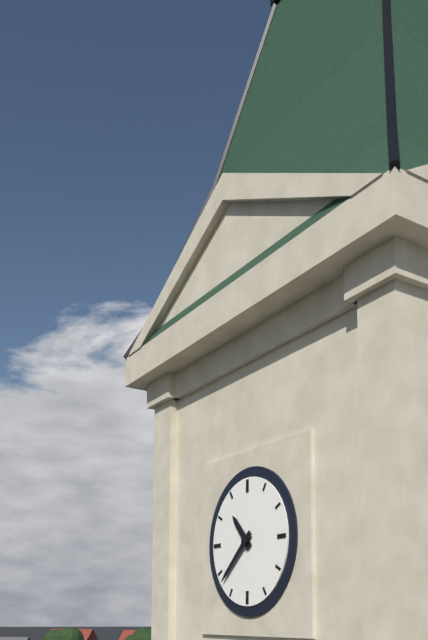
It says **10:38**
